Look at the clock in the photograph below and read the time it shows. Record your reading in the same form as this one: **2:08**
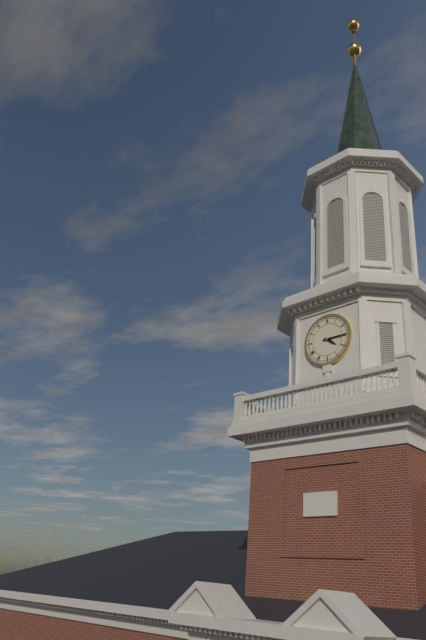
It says **4:15**
